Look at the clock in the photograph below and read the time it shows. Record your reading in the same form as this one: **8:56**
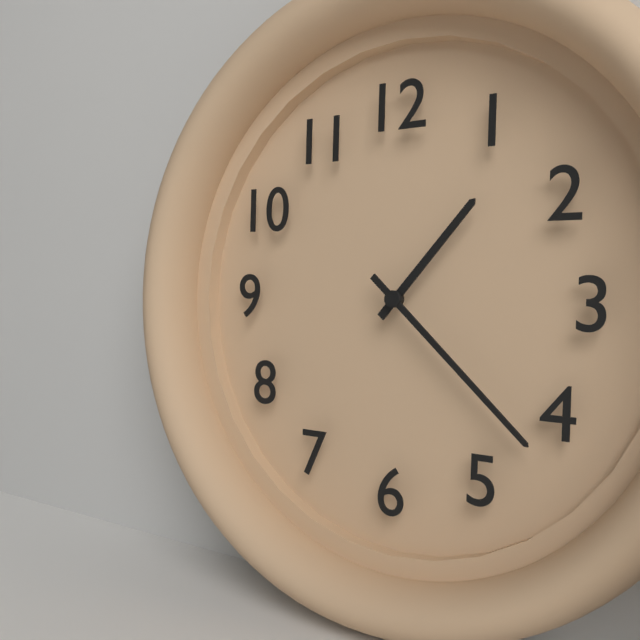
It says **1:22**
